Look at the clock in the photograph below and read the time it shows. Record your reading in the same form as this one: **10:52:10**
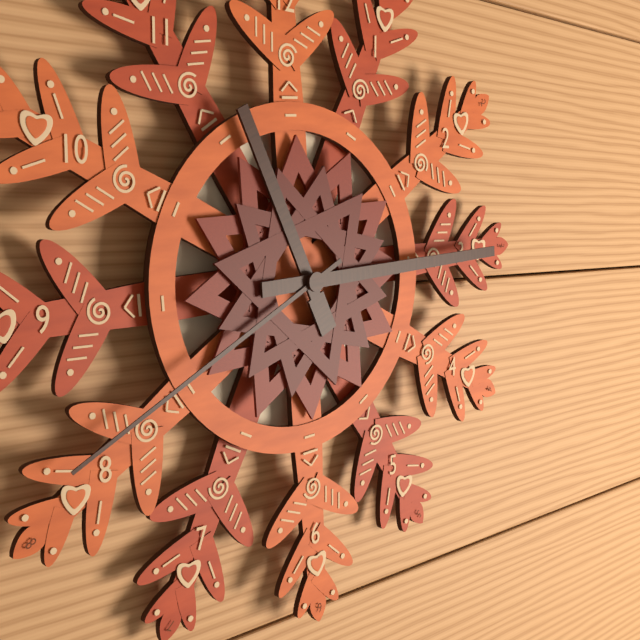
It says **11:15:41**
